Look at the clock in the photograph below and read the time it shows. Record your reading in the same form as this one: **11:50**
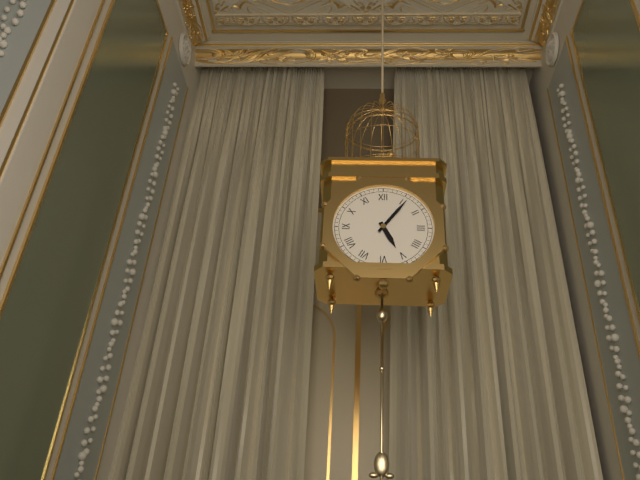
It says **5:06**
